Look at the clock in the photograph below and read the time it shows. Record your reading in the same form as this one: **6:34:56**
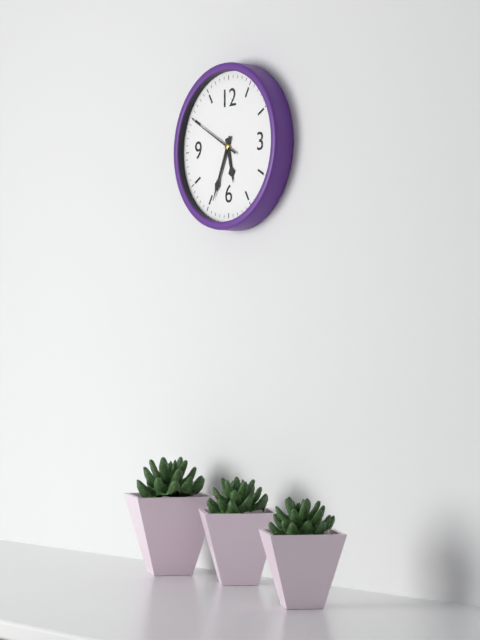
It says **5:34:50**
